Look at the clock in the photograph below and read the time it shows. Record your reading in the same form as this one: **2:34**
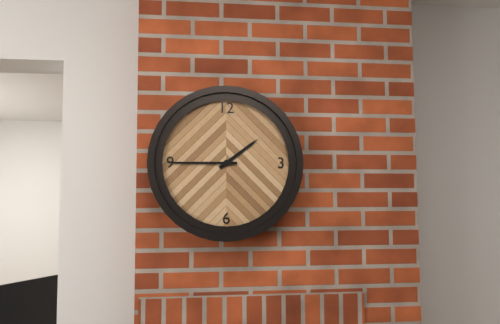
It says **1:45**
